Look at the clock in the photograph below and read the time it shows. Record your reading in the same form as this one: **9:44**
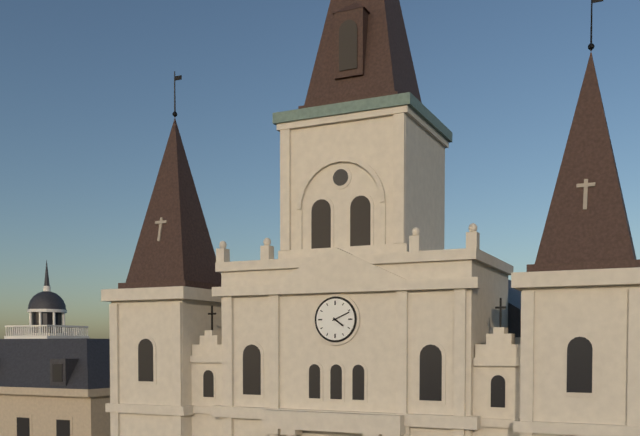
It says **4:11**
